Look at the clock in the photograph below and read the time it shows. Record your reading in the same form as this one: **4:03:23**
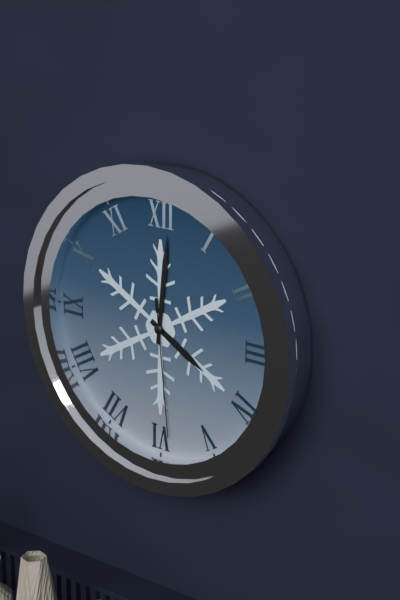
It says **4:01:29**
